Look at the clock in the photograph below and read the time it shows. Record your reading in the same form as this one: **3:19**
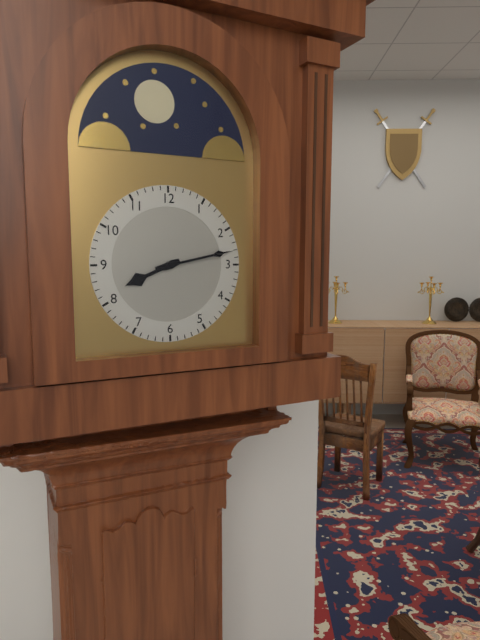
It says **8:13**
